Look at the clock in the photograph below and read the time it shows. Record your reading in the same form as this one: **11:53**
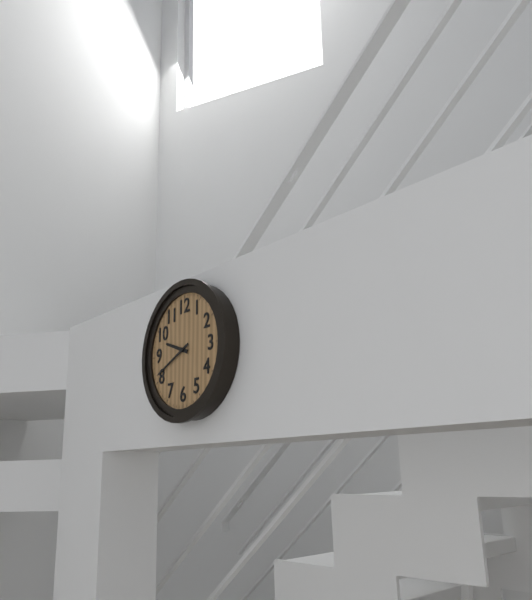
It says **9:41**
